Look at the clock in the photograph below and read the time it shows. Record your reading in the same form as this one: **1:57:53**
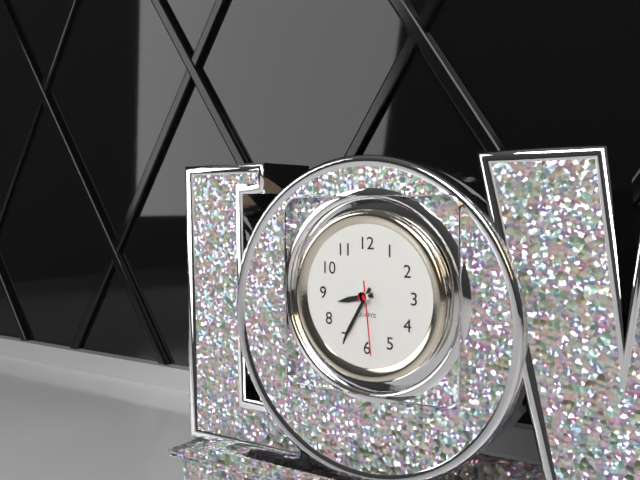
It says **8:35:29**
